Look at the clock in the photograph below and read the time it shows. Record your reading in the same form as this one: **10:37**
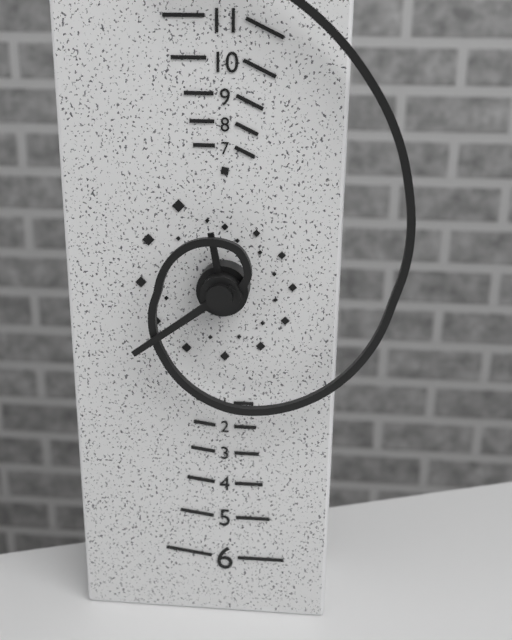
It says **11:39**
